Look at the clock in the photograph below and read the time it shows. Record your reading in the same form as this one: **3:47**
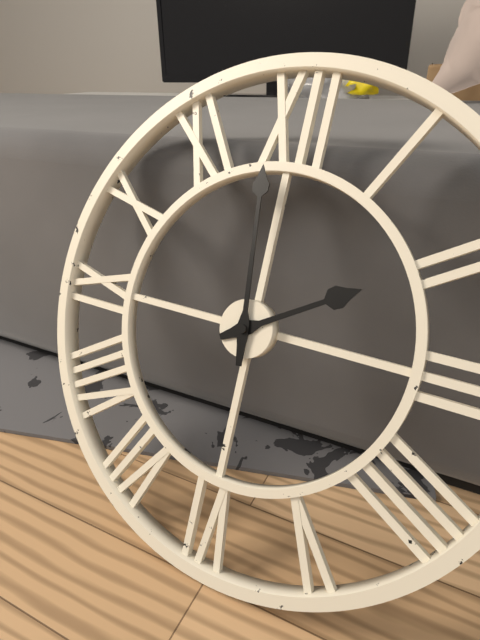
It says **1:59**
